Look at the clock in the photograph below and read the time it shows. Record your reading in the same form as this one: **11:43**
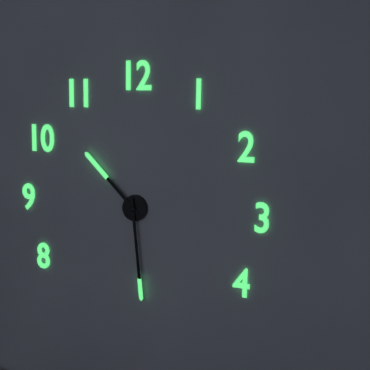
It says **10:29**
